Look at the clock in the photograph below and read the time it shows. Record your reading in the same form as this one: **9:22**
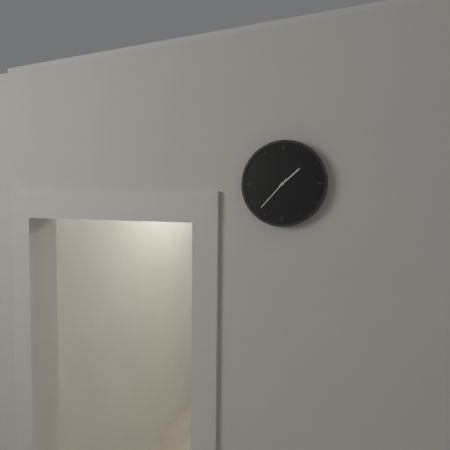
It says **1:37**
